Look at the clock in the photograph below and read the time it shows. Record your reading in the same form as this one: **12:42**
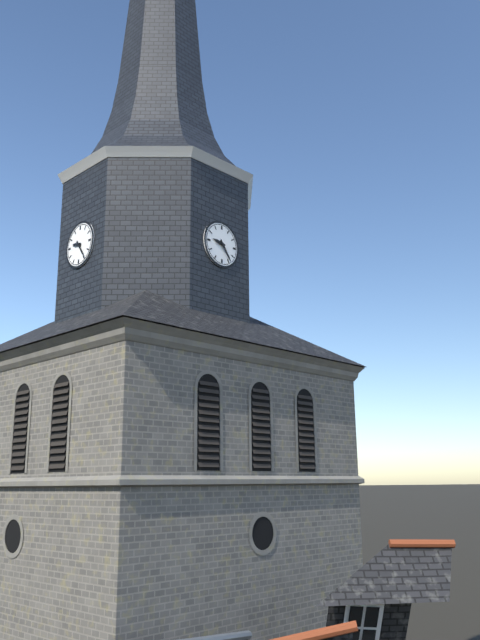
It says **9:24**
